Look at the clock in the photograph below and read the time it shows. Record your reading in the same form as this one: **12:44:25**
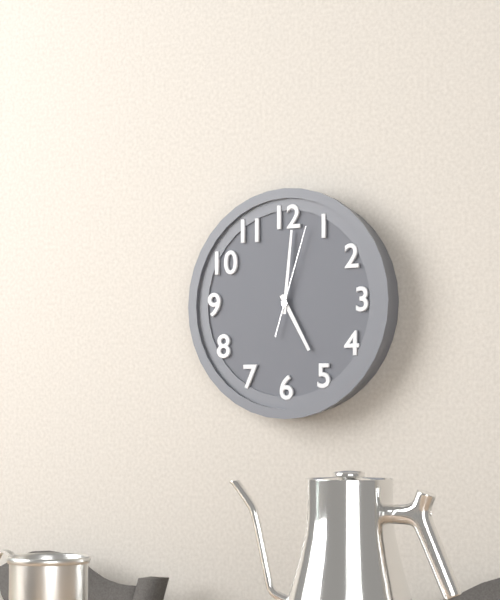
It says **5:01:03**
